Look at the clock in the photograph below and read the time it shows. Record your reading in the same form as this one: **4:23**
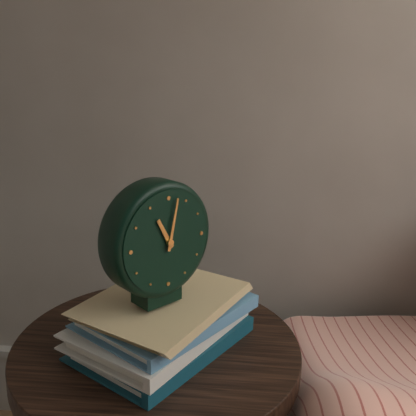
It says **11:02**
